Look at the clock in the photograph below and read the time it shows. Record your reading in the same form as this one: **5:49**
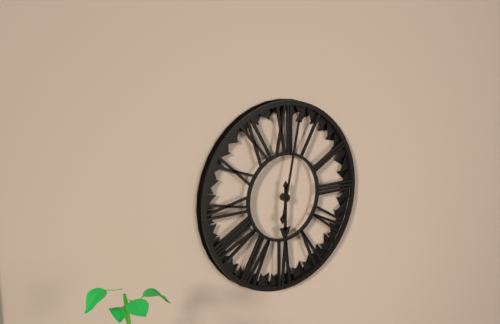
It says **6:02**
